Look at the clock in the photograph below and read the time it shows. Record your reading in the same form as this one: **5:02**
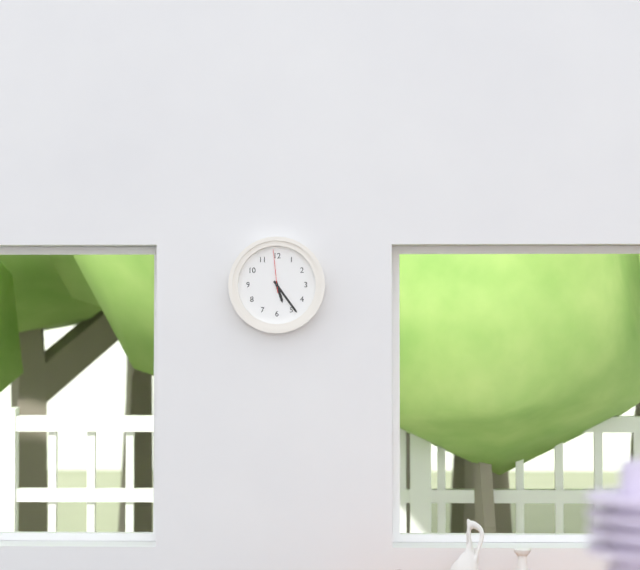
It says **5:24**
